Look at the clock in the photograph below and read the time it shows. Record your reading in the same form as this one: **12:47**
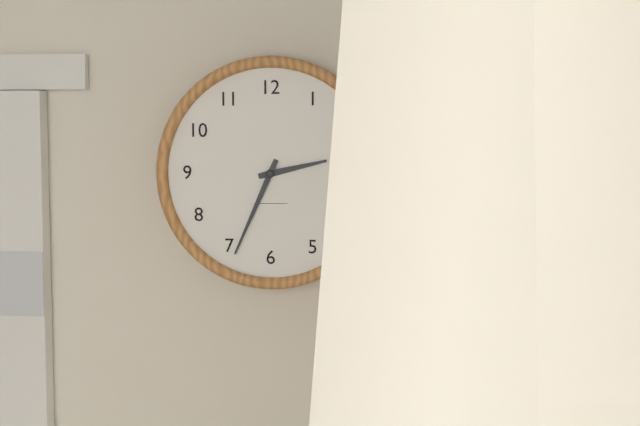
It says **2:34**
